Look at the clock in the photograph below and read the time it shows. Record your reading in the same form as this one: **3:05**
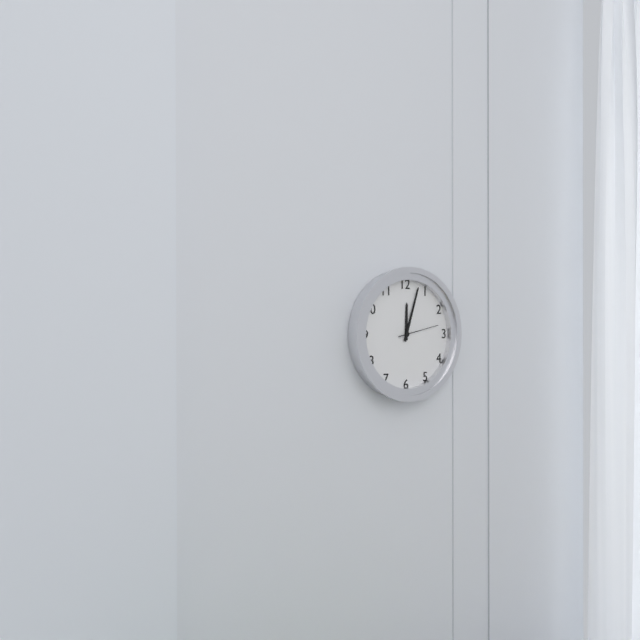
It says **12:03**
